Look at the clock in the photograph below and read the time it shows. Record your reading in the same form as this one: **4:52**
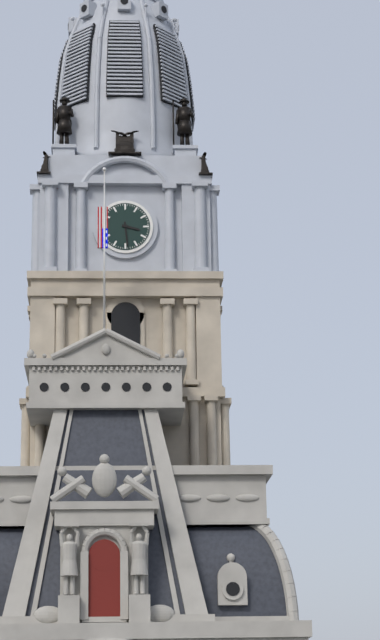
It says **3:29**
